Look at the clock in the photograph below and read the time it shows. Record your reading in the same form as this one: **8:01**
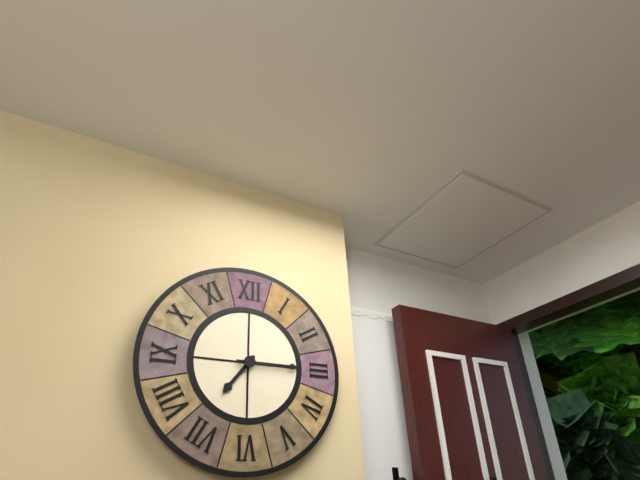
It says **7:15**
